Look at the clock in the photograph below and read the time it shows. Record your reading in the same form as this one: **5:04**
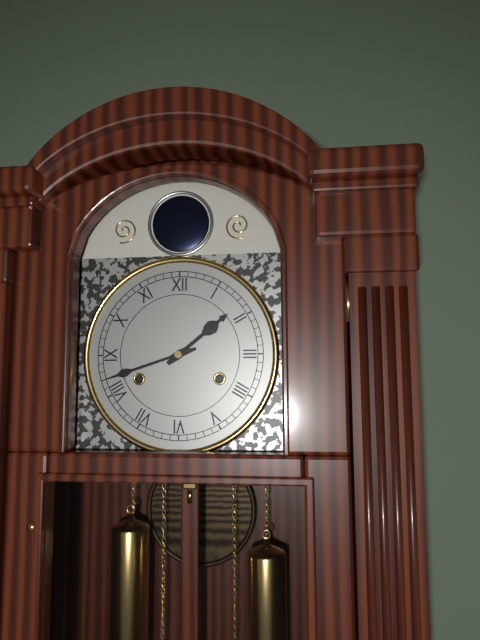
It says **1:42**
